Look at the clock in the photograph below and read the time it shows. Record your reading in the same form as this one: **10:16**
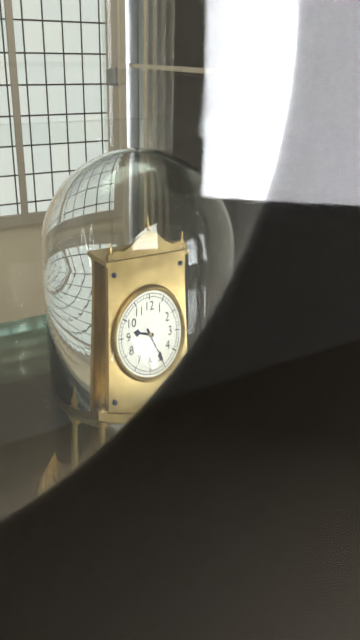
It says **9:25**
